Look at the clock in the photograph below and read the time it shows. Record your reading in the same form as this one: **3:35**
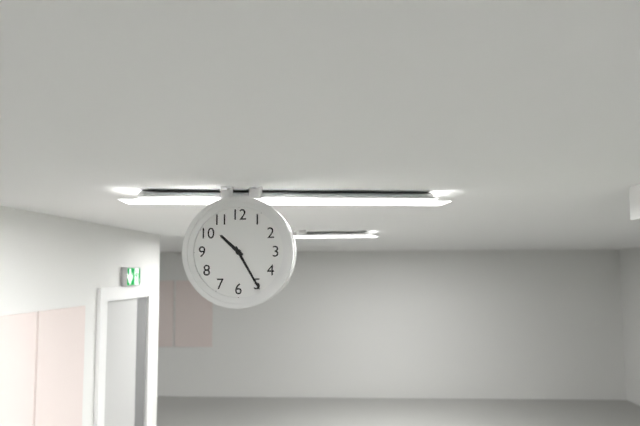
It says **10:25**
